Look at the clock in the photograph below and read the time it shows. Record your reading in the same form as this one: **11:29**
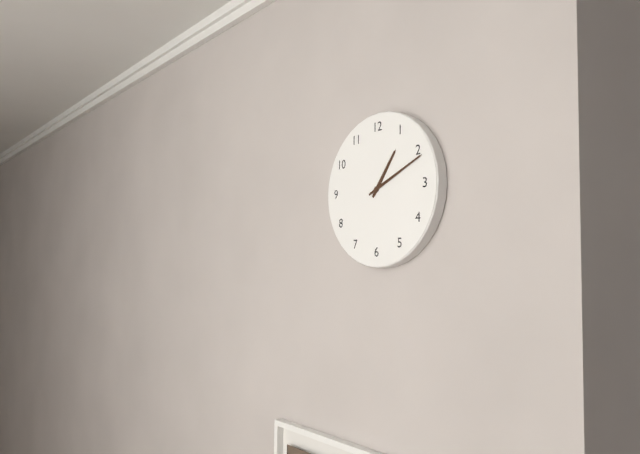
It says **1:11**
